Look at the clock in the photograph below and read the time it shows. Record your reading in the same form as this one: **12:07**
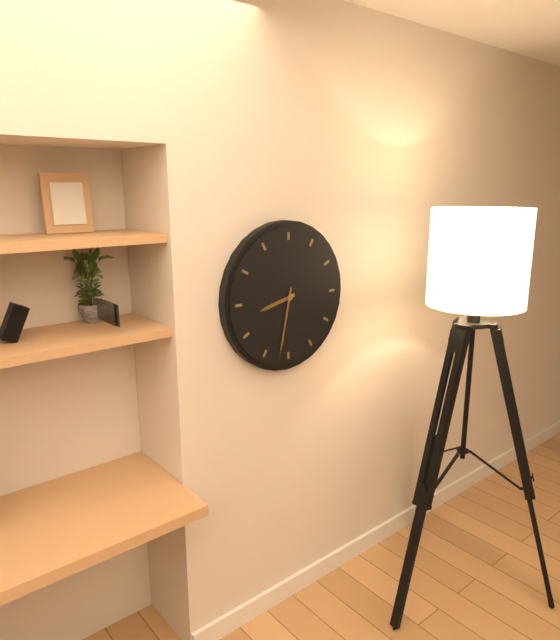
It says **8:32**
